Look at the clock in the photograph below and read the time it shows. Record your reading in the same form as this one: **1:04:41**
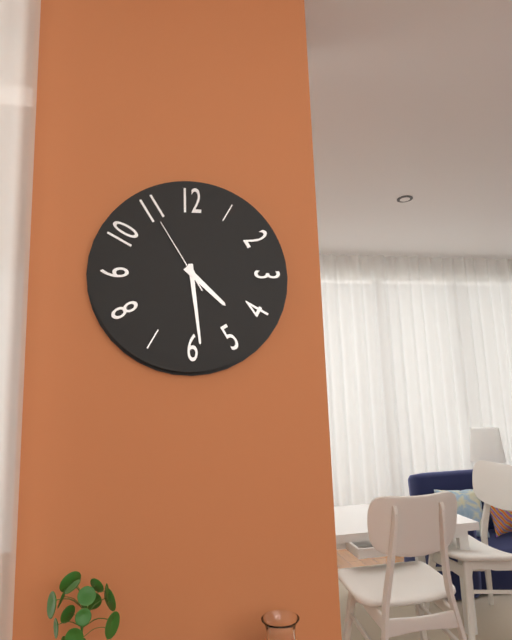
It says **4:29:55**
